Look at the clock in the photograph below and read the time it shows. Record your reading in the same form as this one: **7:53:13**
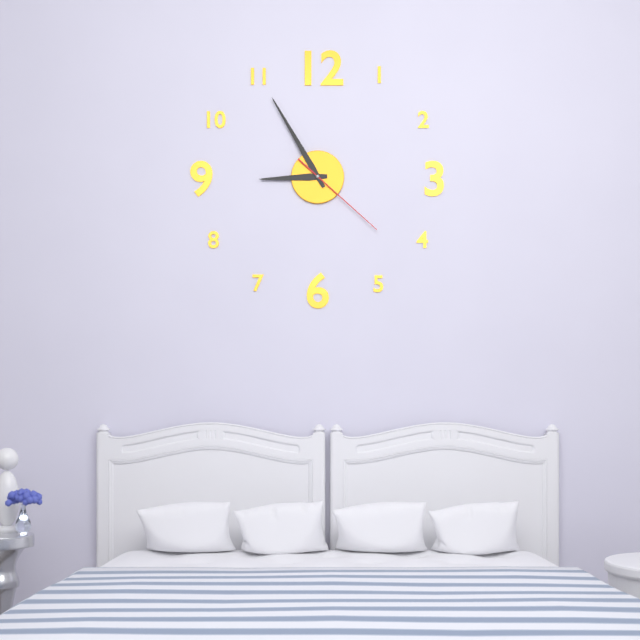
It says **8:55:22**
